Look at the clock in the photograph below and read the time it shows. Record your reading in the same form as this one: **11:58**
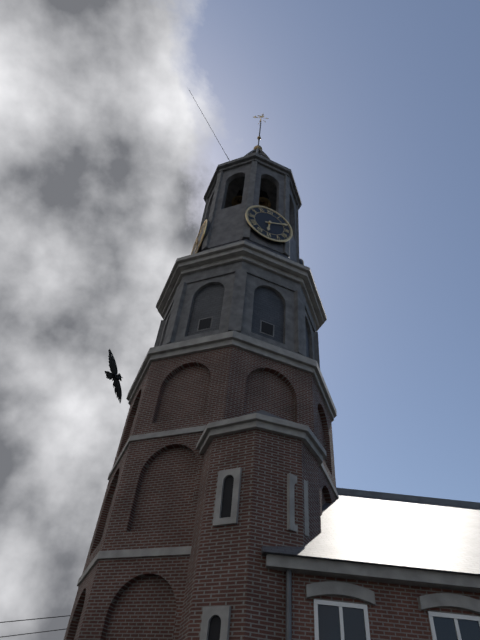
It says **6:11**
